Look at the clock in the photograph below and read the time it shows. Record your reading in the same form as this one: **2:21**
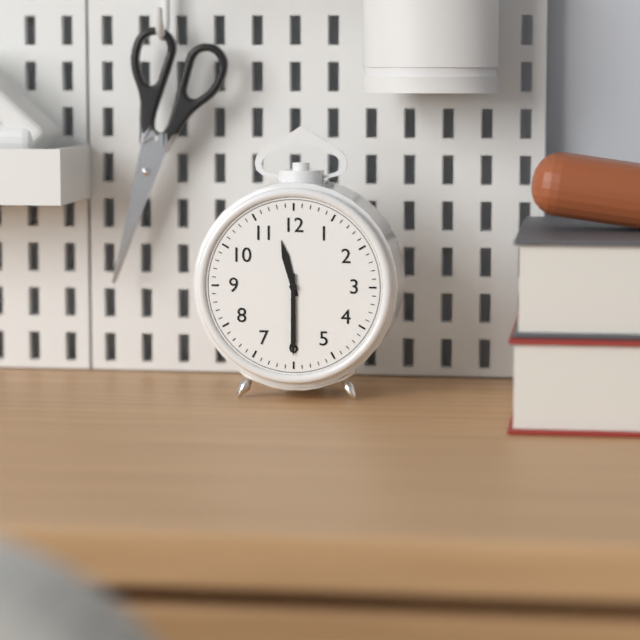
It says **11:30**
